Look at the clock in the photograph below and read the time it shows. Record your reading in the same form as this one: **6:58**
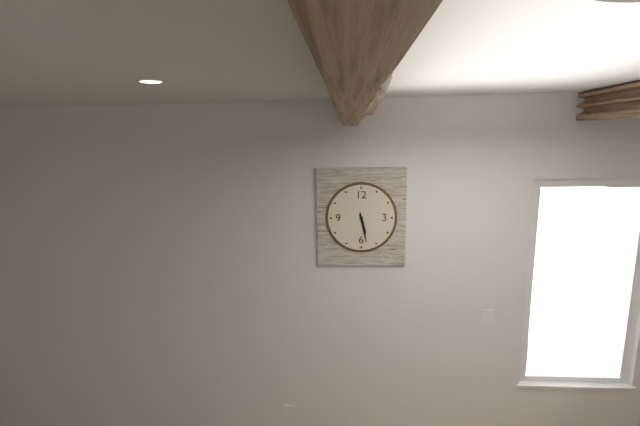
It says **5:28**
